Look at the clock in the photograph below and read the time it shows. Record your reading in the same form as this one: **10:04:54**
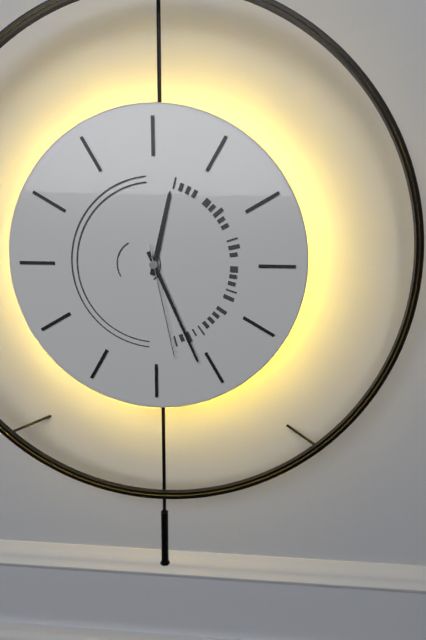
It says **12:26:28**
